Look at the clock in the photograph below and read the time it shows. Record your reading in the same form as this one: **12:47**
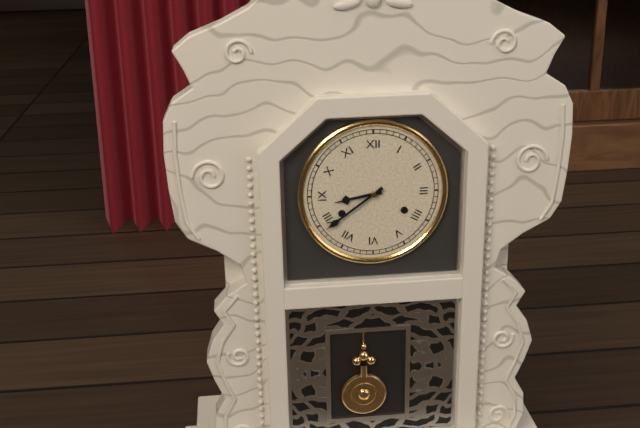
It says **8:39**
